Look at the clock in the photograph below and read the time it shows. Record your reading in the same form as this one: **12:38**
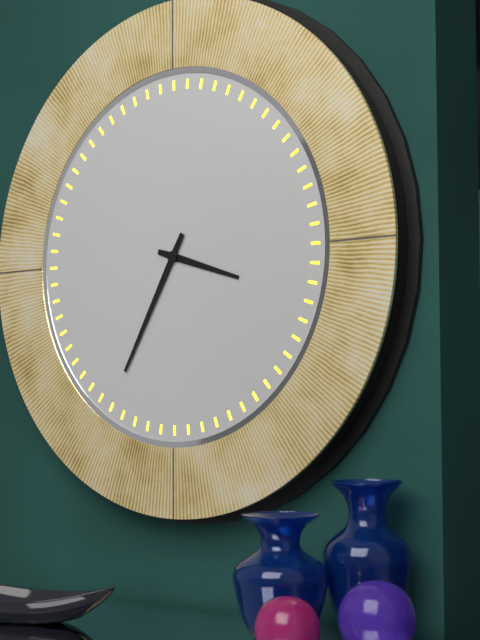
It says **3:35**
